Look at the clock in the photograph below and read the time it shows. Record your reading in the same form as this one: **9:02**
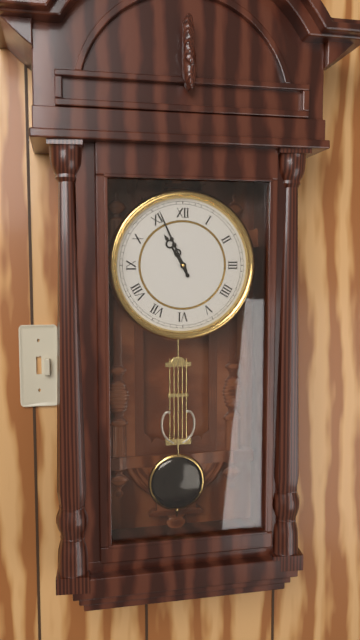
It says **10:56**
